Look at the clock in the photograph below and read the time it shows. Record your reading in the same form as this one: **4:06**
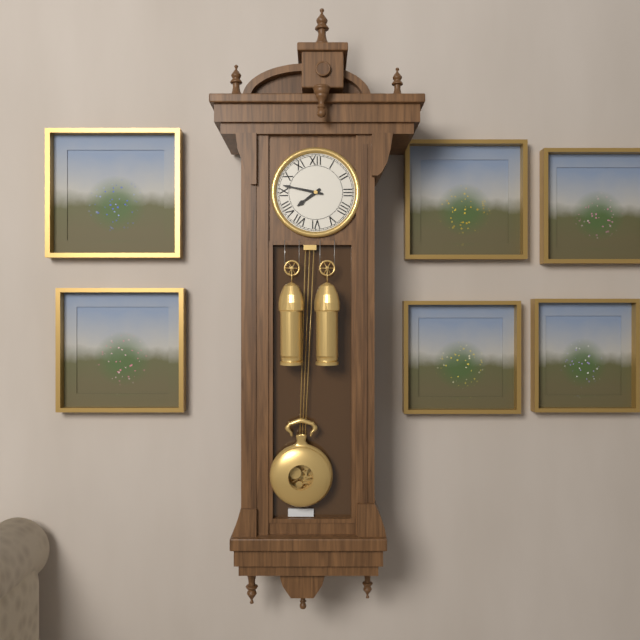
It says **7:47**
